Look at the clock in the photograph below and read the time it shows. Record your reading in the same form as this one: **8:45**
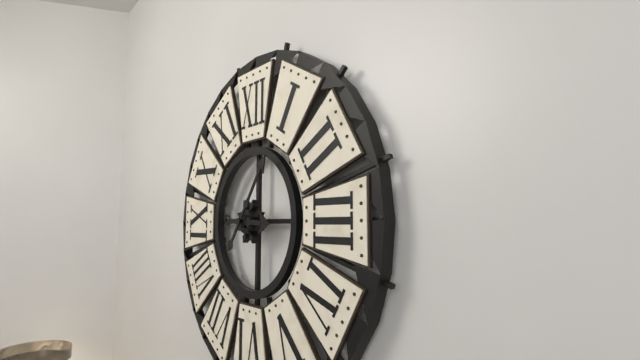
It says **3:06**
